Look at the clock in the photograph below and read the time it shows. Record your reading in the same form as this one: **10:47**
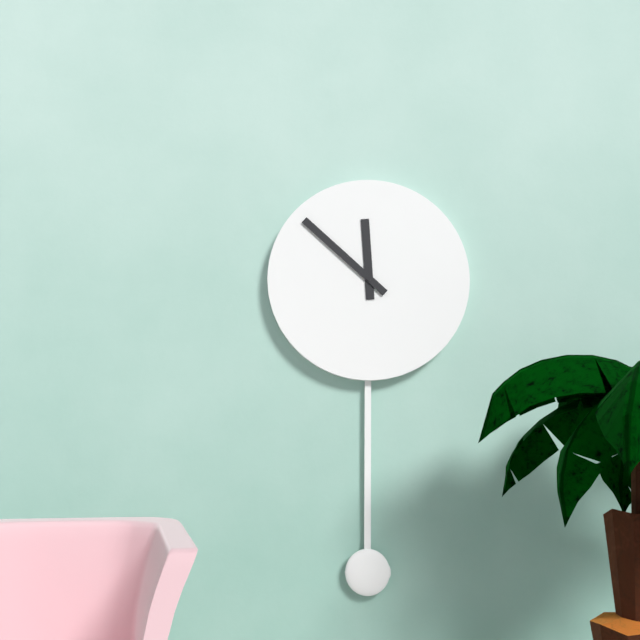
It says **11:52**
